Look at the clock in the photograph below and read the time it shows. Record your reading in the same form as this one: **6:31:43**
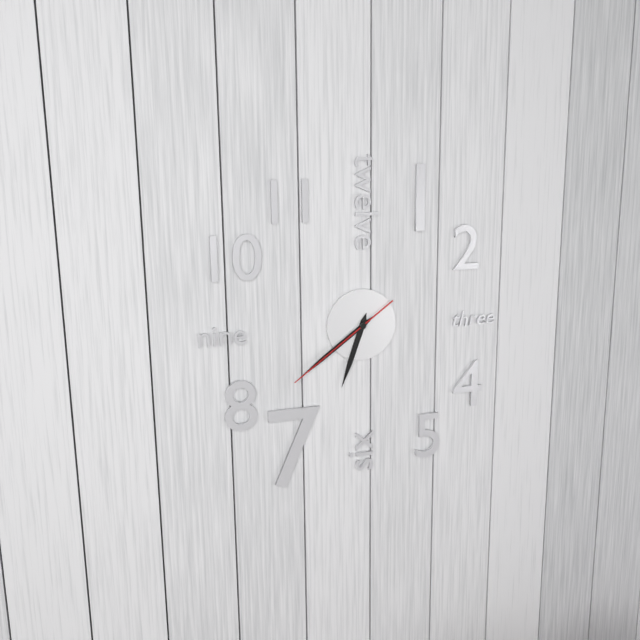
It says **6:39:39**
